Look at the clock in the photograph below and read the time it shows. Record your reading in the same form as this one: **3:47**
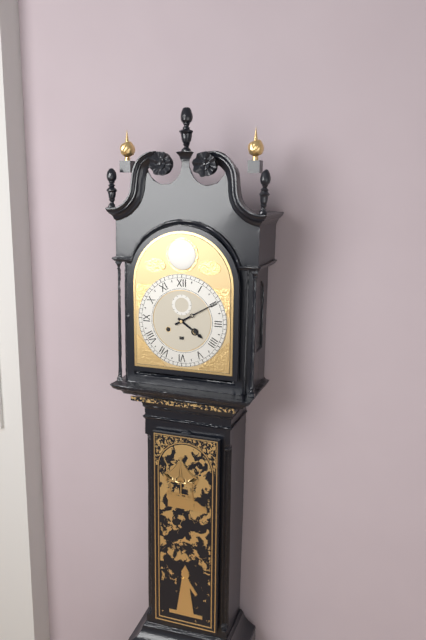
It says **4:10**
